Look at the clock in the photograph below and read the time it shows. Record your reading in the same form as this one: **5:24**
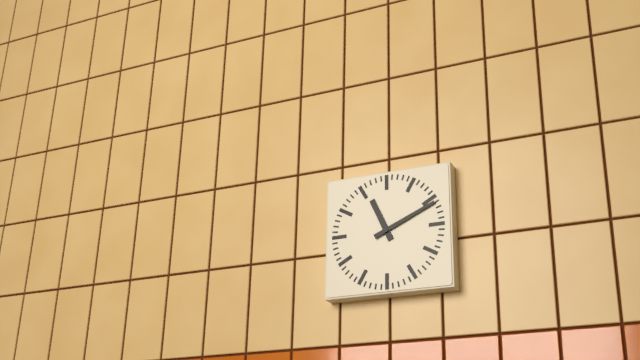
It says **11:11**
